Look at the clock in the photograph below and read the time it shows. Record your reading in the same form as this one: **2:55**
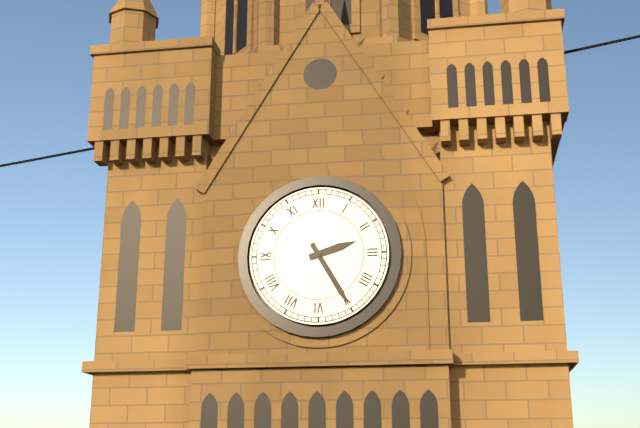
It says **2:25**
